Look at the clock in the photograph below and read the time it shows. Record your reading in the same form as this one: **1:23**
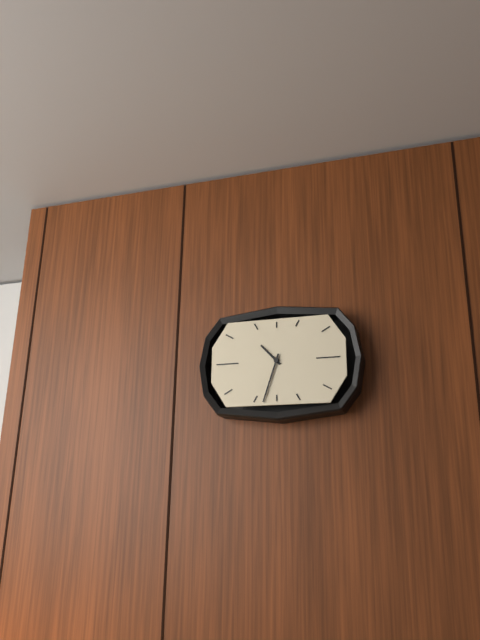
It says **10:33**
